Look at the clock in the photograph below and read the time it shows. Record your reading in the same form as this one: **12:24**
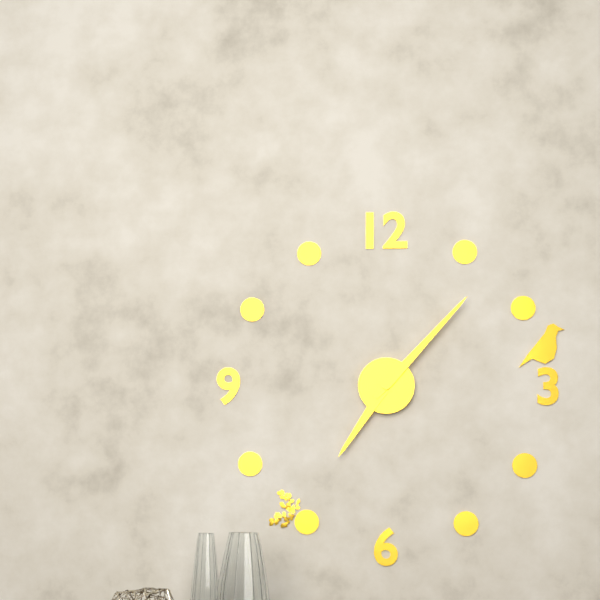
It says **7:07**
